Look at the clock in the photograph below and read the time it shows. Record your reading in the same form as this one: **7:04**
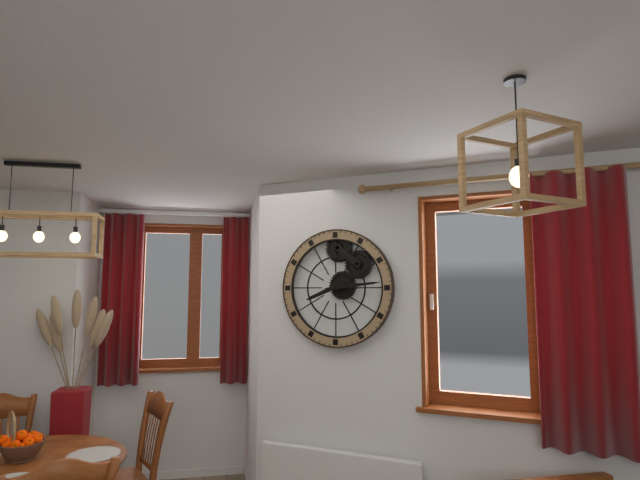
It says **8:14**
